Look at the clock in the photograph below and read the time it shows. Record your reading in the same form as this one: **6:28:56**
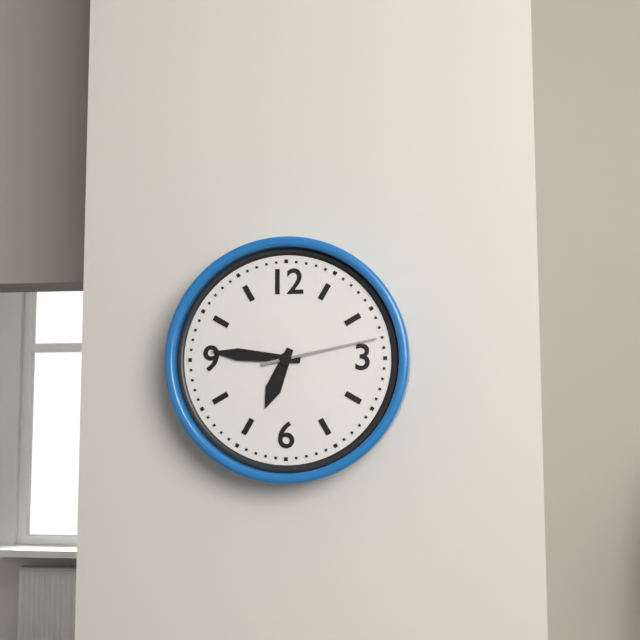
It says **6:46:13**
